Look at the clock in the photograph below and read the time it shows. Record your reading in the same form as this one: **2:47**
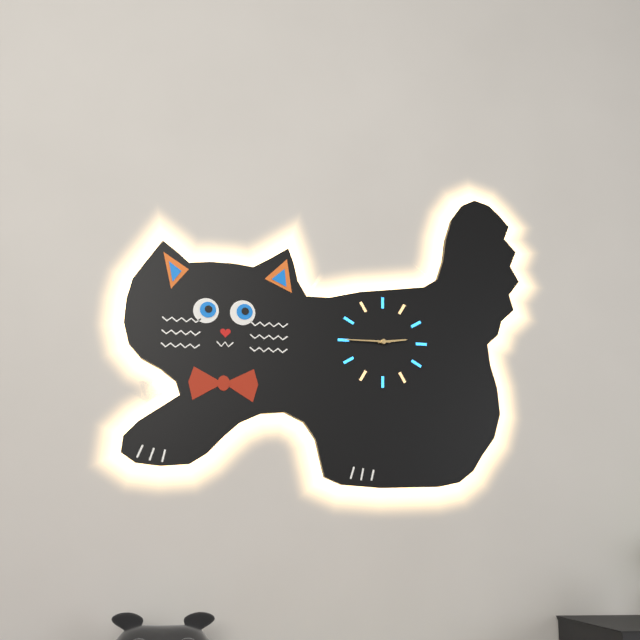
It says **2:45**
